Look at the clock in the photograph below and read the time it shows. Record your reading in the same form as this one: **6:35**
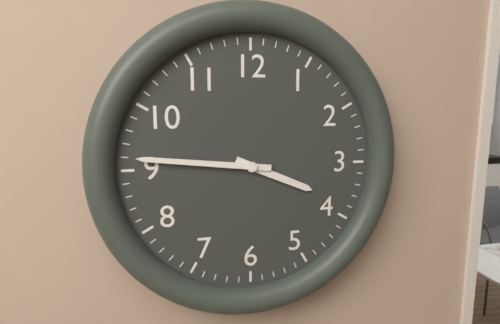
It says **3:46**
